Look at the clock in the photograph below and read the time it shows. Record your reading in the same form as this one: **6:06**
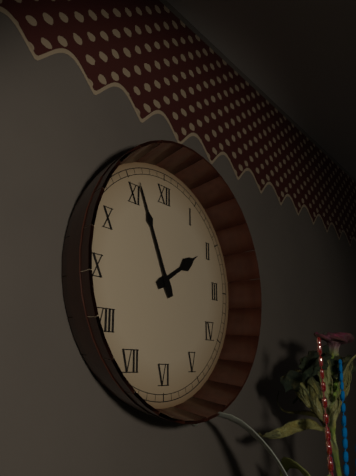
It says **1:56**
